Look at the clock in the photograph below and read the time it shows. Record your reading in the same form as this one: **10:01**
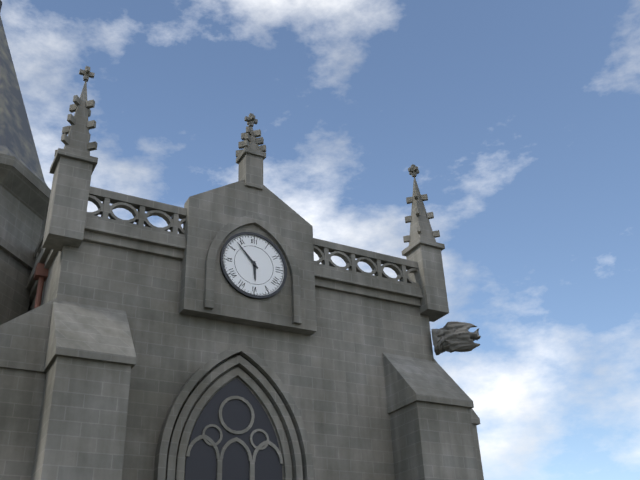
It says **5:53**
